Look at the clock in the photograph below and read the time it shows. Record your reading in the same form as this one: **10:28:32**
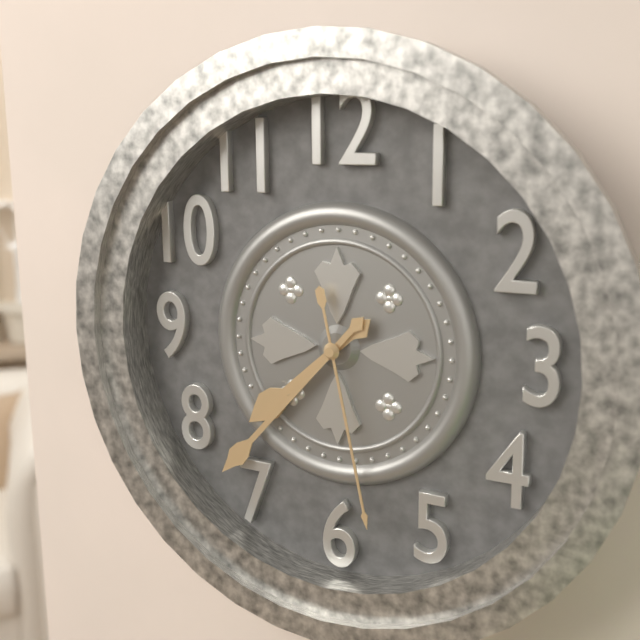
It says **7:37:28**
